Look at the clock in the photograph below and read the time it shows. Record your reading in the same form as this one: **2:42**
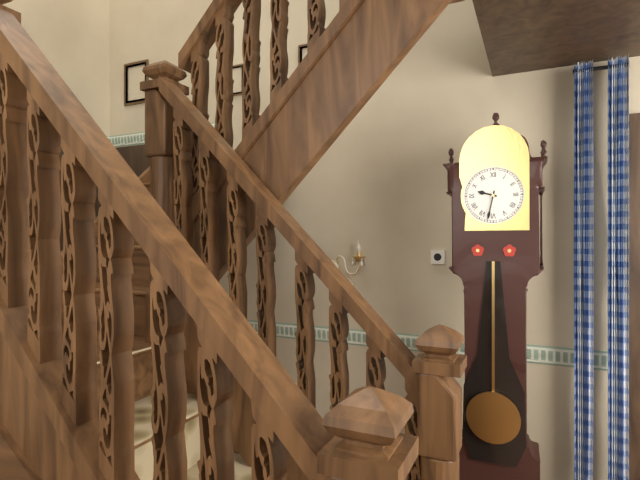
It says **9:32**
